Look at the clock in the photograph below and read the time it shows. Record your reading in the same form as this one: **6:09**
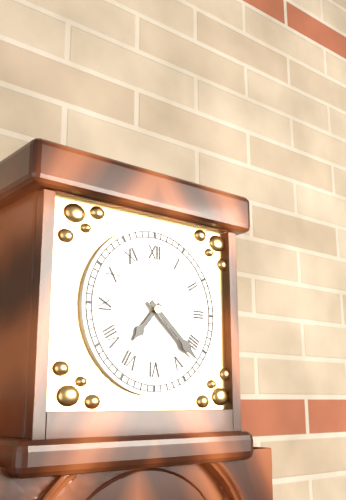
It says **7:22**
